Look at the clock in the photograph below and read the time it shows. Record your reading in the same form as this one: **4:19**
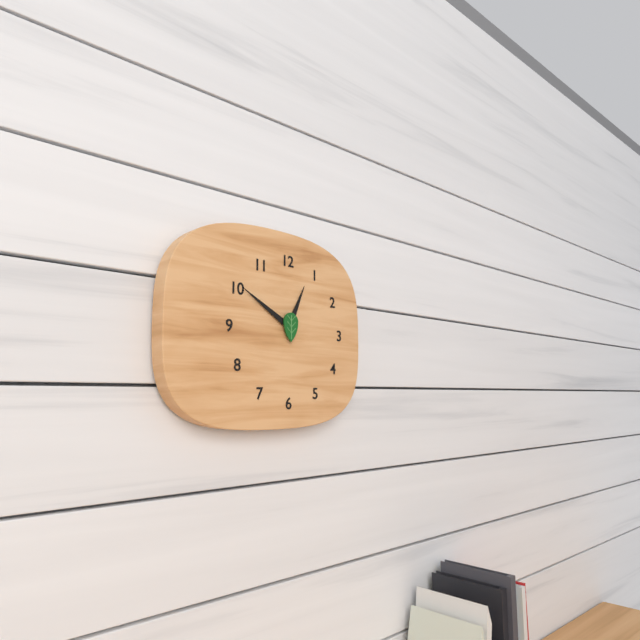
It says **12:50**
